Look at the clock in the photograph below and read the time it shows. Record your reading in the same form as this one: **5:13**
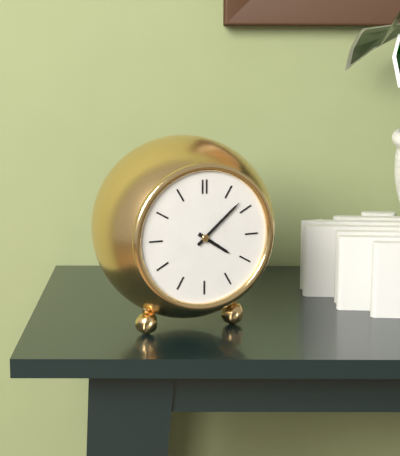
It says **4:08**
